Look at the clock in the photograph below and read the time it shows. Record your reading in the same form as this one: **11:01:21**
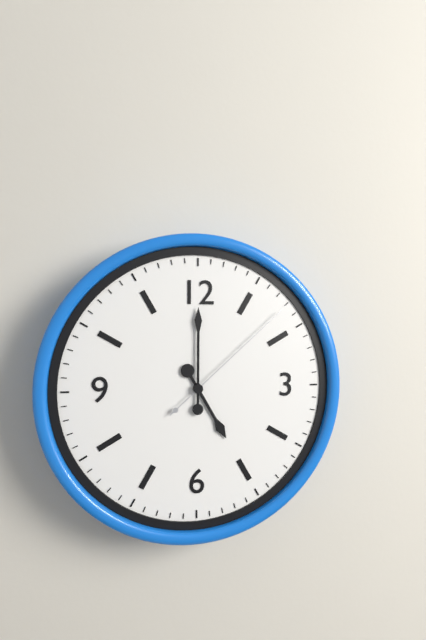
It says **5:00:08**
